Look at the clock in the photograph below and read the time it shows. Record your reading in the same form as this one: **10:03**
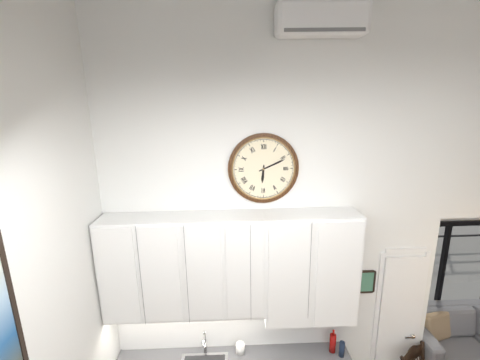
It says **6:11**
